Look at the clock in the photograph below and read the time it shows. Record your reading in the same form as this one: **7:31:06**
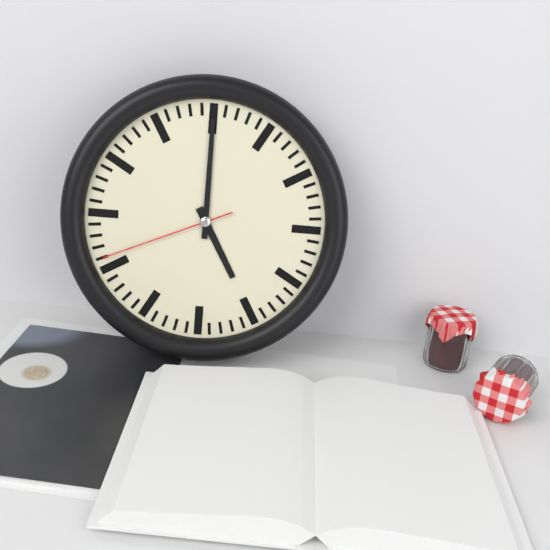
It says **5:00:41**
